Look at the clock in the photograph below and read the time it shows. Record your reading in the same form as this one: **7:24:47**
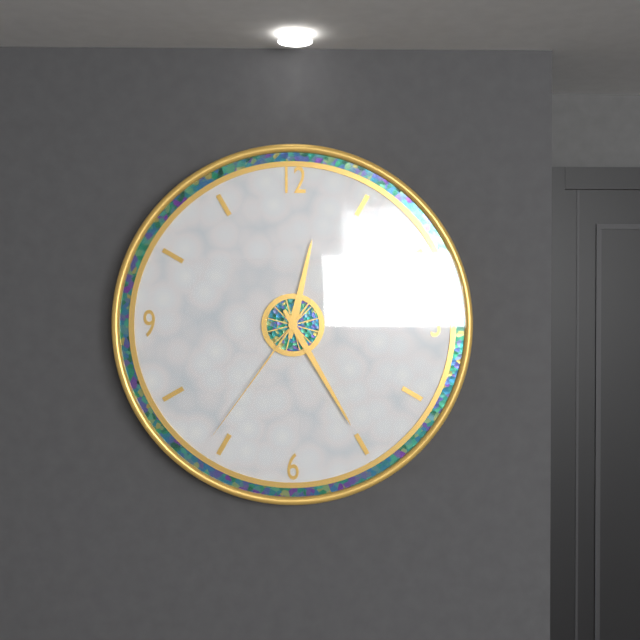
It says **12:25:36**
